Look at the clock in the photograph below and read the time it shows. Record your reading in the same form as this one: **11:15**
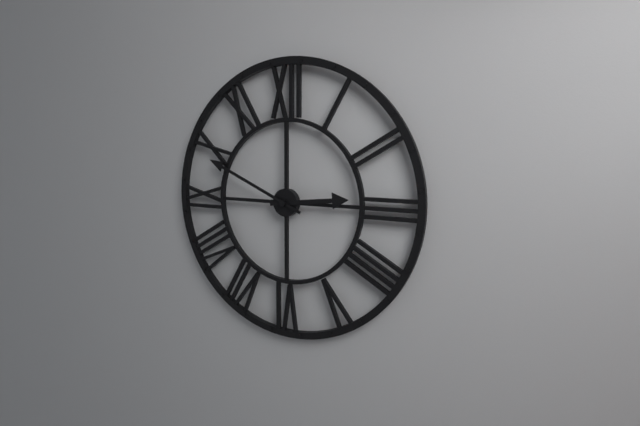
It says **2:49**
